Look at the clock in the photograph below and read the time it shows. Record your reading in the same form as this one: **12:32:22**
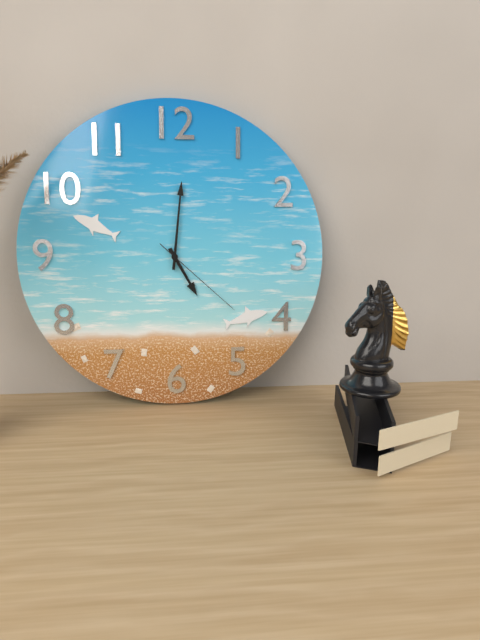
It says **5:01:22**
